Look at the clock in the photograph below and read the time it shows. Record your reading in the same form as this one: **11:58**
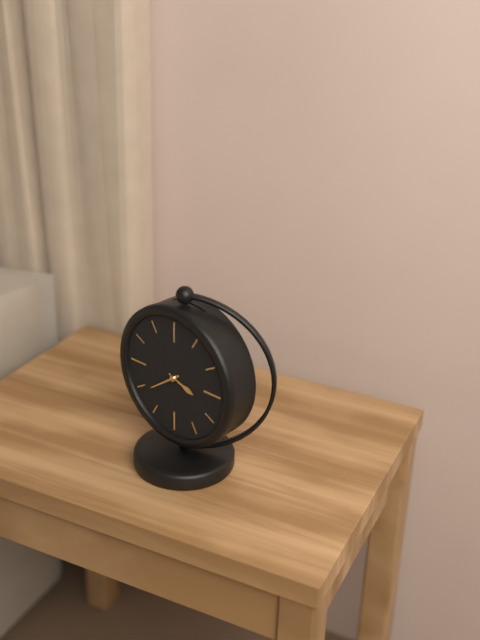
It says **3:39**
